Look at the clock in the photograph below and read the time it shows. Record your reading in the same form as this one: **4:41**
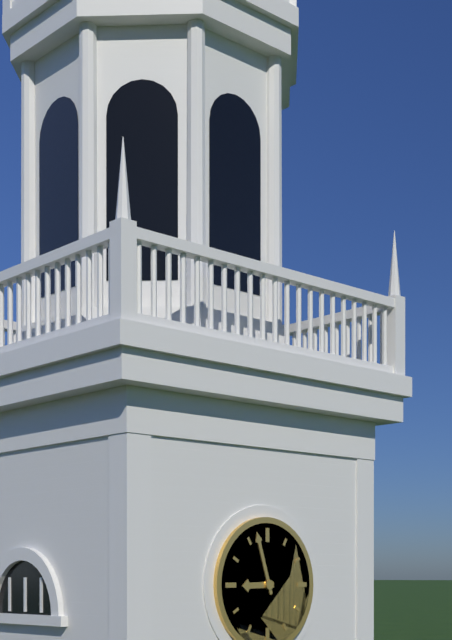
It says **8:57**
